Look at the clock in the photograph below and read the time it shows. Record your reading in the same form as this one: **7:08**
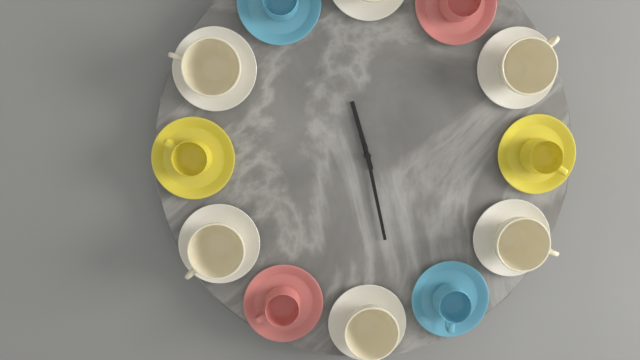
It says **11:28**
